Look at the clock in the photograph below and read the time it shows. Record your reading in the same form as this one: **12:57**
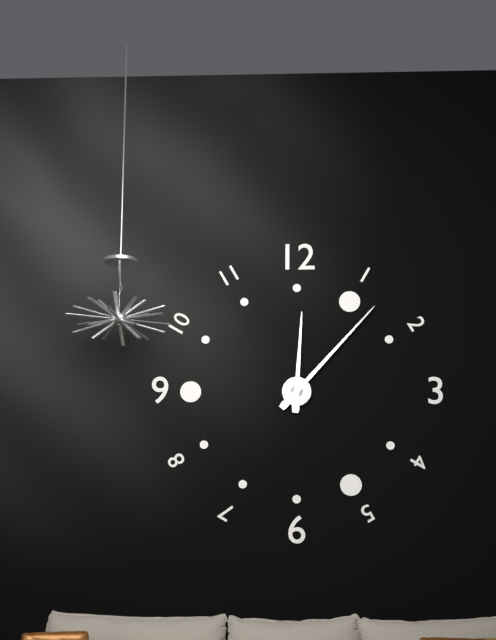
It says **12:07**
